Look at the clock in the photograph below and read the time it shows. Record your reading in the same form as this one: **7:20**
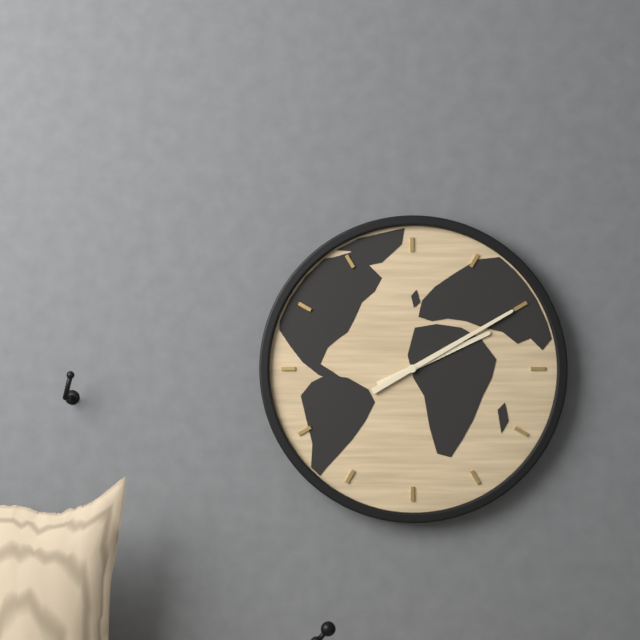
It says **2:10**
